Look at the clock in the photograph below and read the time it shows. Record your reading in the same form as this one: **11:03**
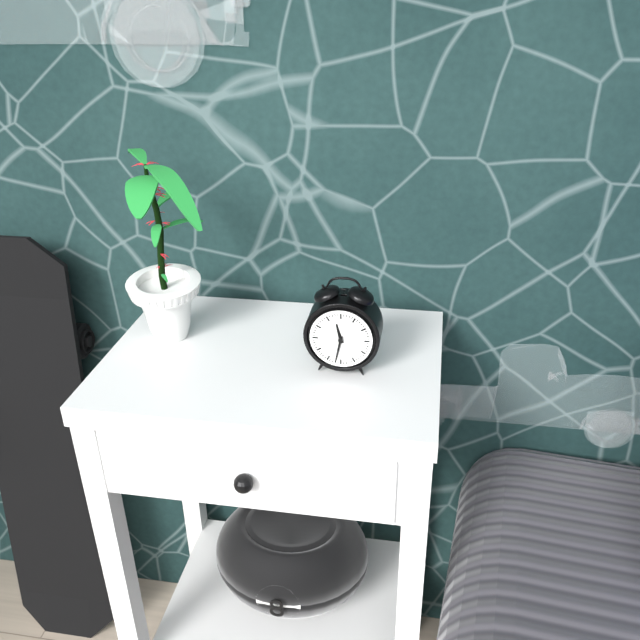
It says **11:32**
